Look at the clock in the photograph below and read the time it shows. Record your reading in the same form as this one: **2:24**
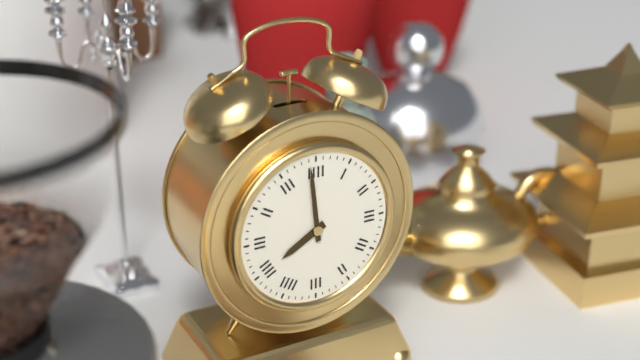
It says **7:59**
